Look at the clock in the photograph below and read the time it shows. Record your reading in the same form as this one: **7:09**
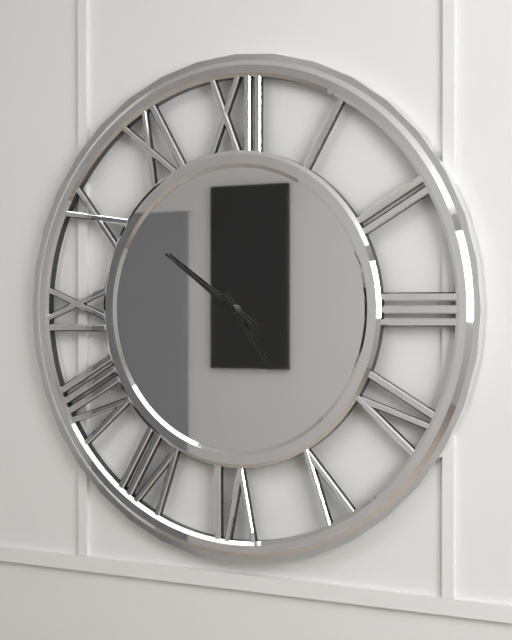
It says **4:51**
